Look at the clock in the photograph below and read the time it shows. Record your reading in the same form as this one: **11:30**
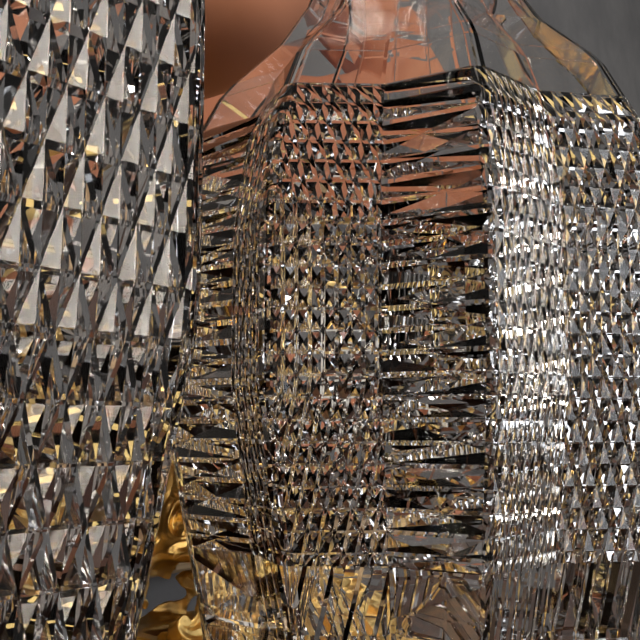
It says **1:13**
